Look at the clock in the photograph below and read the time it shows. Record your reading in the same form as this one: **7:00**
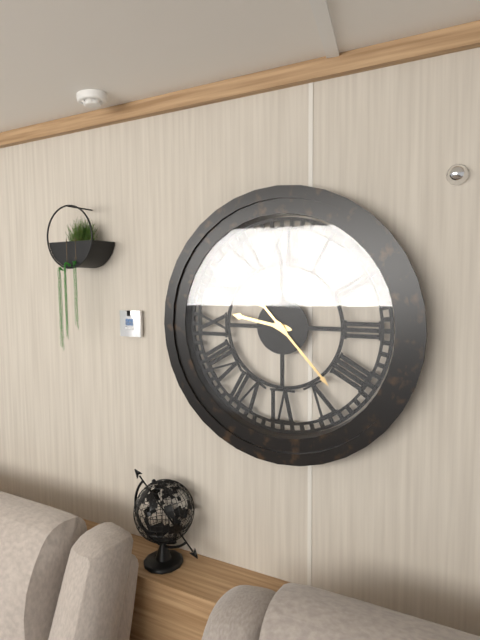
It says **9:23**
